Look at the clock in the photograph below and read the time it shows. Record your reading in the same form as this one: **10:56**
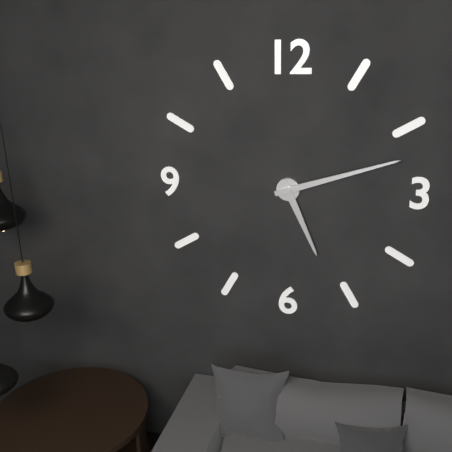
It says **5:12**
